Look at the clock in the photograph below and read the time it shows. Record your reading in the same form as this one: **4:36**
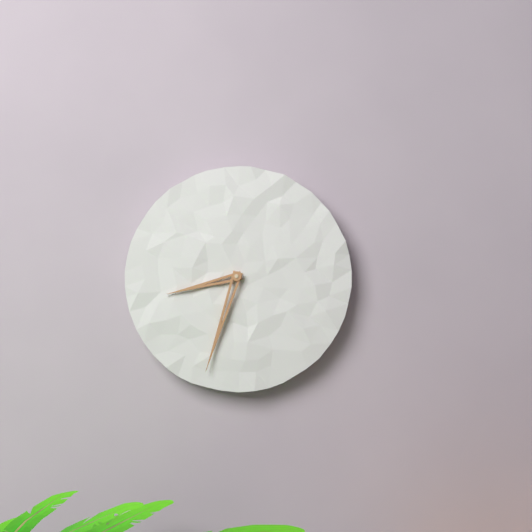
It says **8:33**
